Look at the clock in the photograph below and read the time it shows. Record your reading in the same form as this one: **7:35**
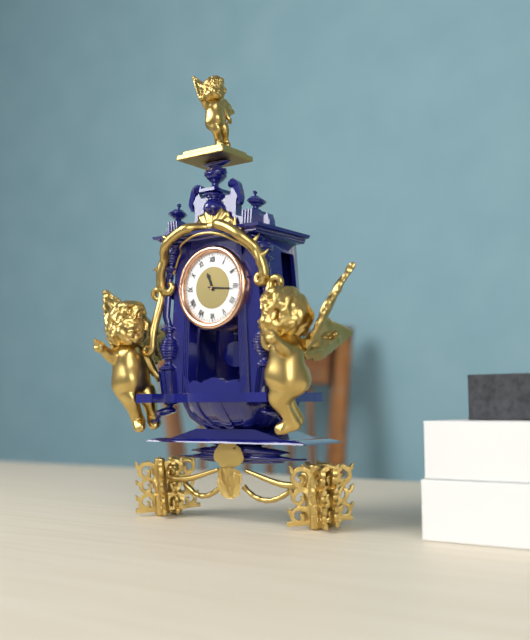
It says **11:16**
